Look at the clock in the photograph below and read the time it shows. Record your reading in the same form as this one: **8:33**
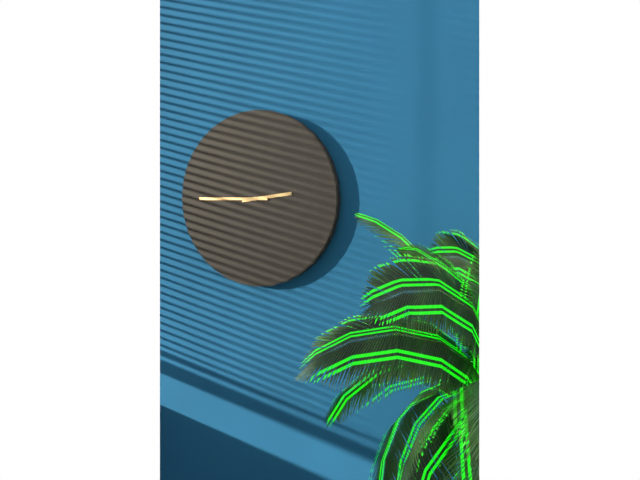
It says **2:45**
